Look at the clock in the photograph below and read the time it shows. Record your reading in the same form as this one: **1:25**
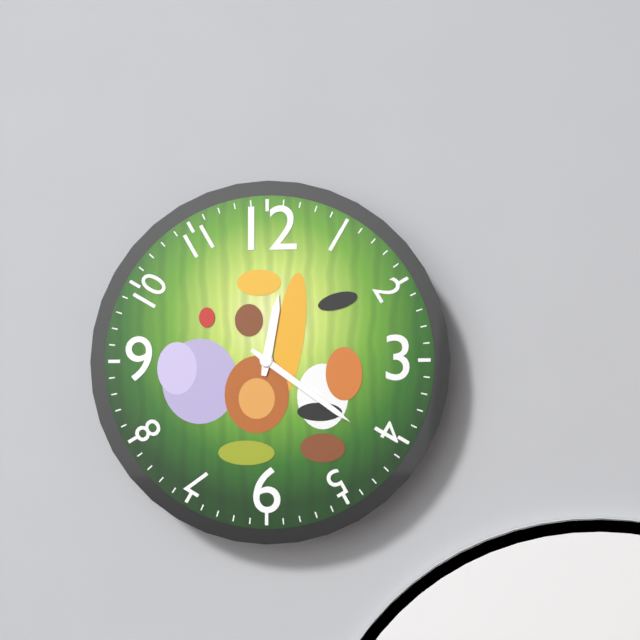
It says **12:21**
